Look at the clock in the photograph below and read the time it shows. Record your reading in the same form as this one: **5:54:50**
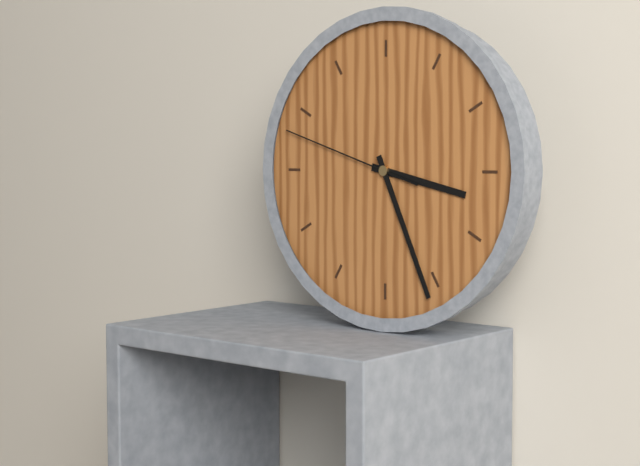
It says **3:26:48**
